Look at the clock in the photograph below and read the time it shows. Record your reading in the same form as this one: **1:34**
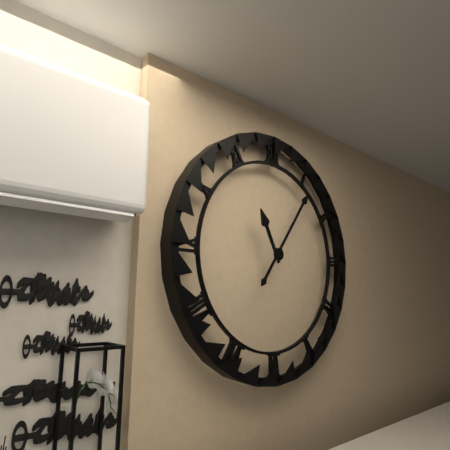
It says **11:06**
